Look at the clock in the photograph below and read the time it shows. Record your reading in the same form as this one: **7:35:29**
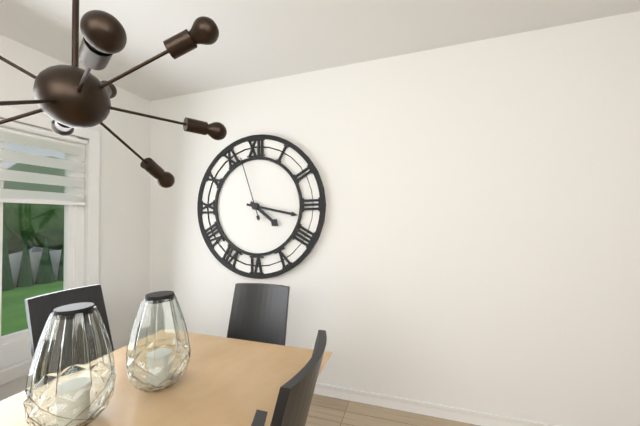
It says **4:17:57**
